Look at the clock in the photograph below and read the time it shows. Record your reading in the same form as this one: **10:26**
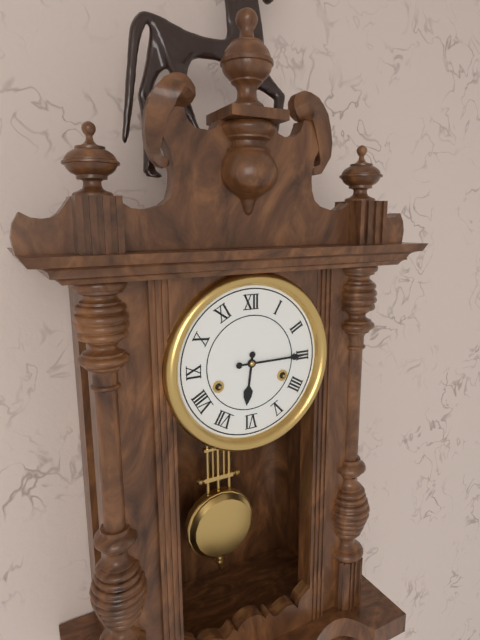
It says **6:15**
